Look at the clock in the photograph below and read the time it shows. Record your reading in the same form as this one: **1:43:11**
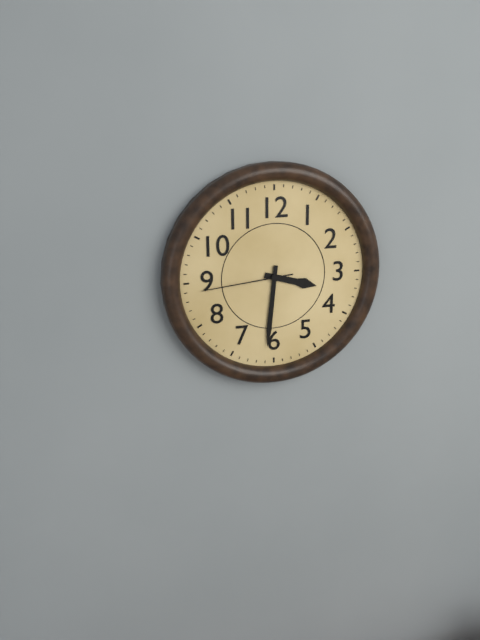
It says **3:31:44**
